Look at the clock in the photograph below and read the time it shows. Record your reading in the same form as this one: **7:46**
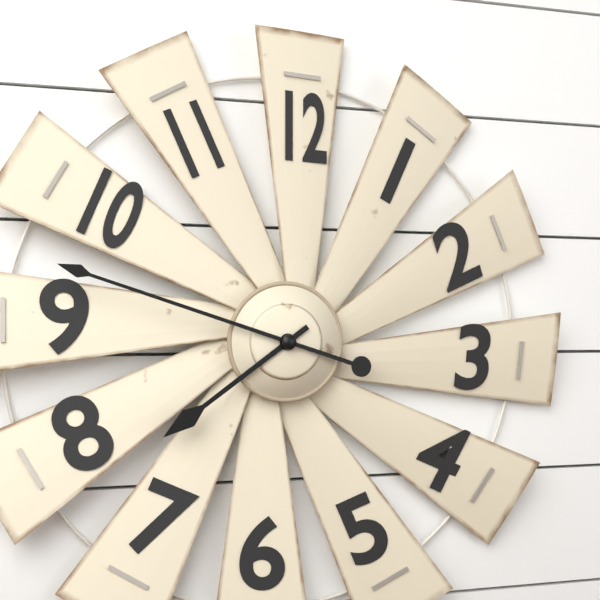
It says **7:48**
